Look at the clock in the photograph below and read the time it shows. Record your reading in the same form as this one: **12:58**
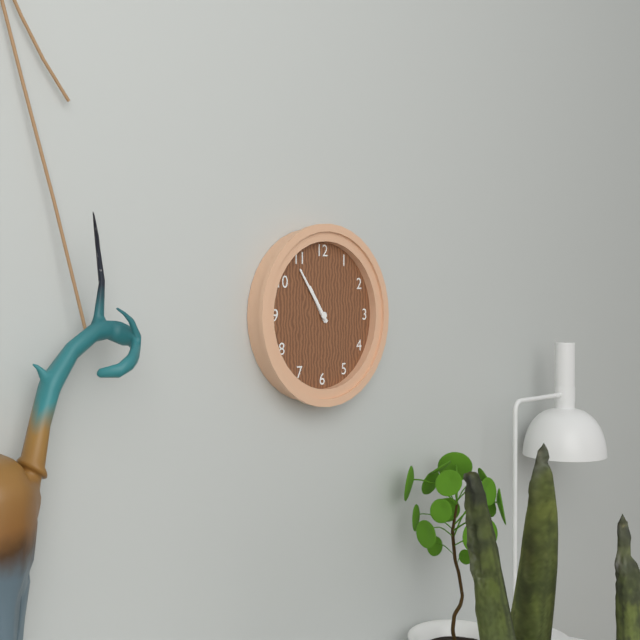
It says **10:54**
